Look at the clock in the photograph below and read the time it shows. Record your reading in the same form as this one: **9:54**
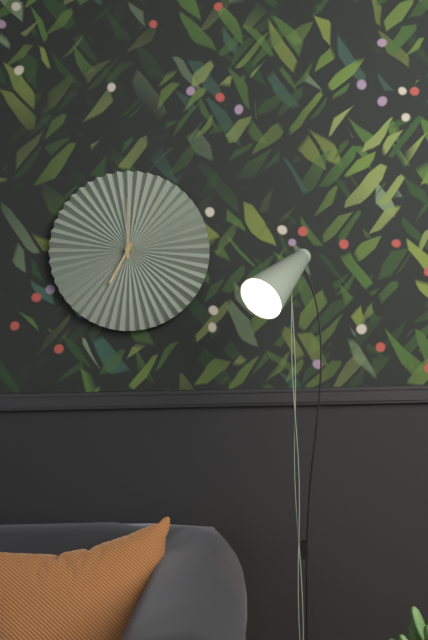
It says **7:00**
